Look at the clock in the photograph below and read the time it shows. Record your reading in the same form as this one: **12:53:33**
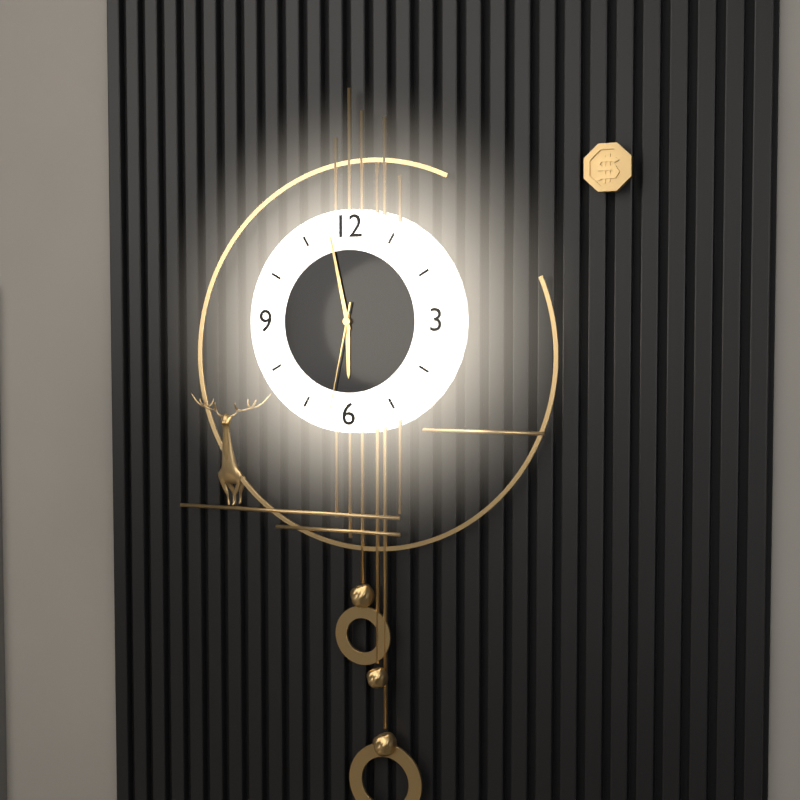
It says **5:58:32**
